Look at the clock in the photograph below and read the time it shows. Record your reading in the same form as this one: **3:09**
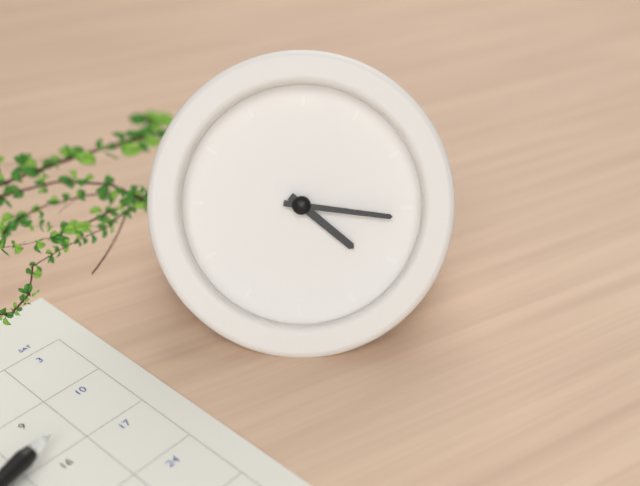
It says **4:16**
